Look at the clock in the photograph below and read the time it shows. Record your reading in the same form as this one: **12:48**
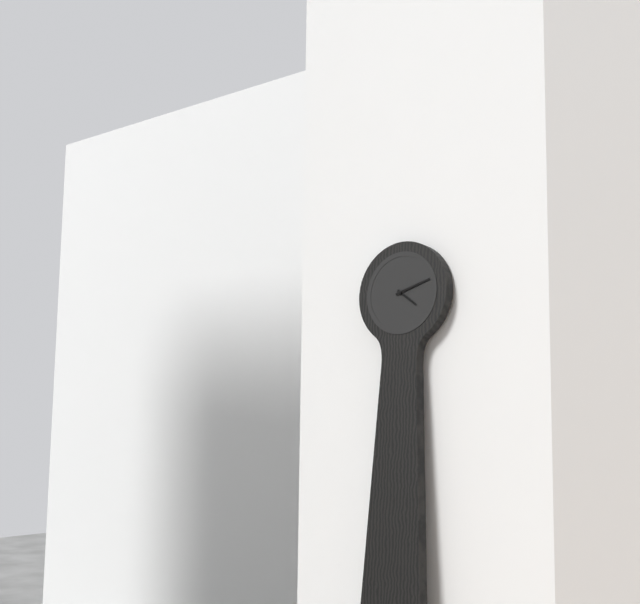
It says **4:12**
